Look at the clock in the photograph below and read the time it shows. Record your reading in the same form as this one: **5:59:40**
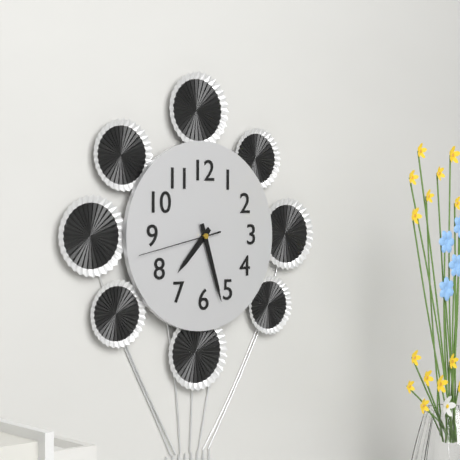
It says **7:27:43**
